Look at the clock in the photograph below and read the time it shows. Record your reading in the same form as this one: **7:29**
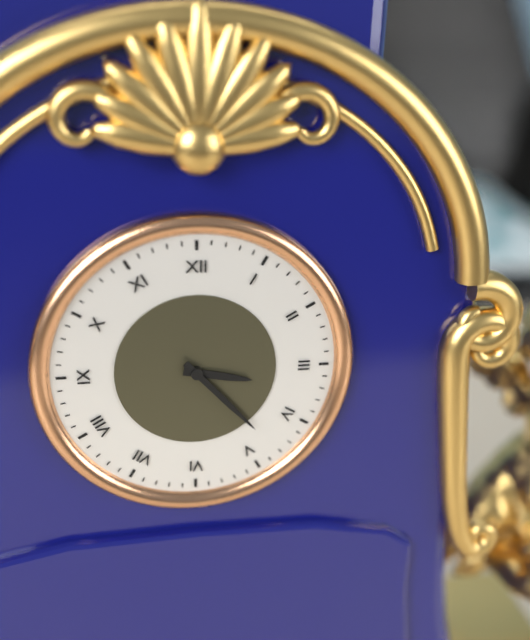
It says **3:23**
